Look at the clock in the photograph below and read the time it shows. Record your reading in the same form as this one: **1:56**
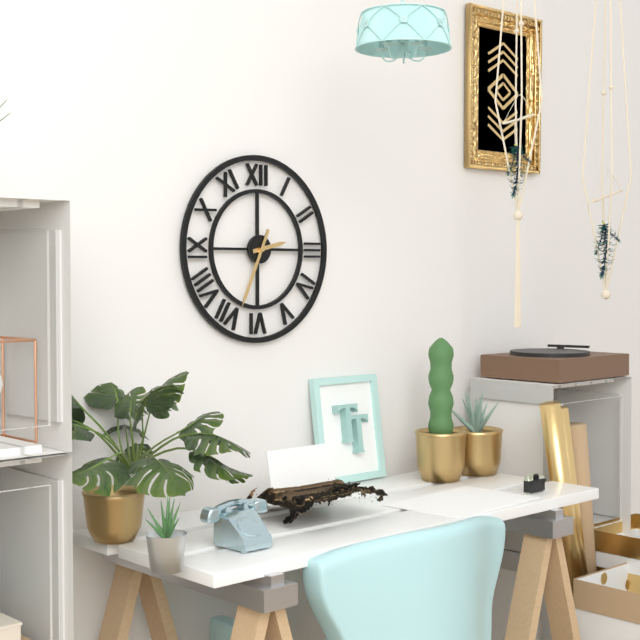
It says **2:34**
